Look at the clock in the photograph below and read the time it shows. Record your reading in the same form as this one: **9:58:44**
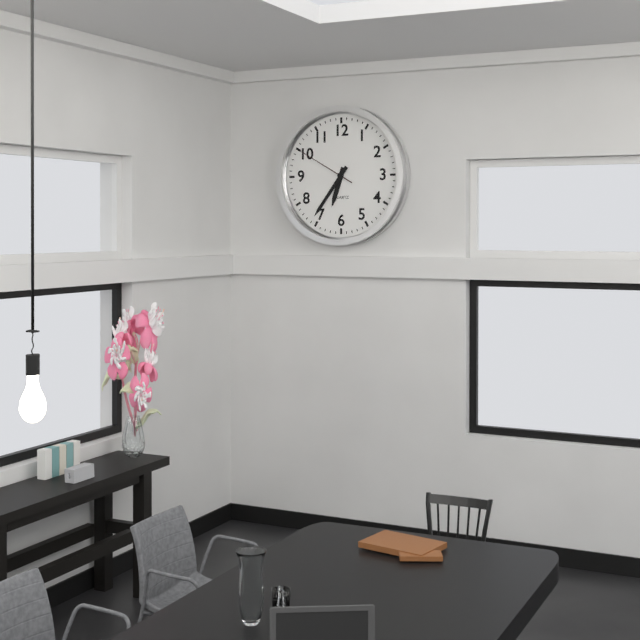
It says **6:36:50**
